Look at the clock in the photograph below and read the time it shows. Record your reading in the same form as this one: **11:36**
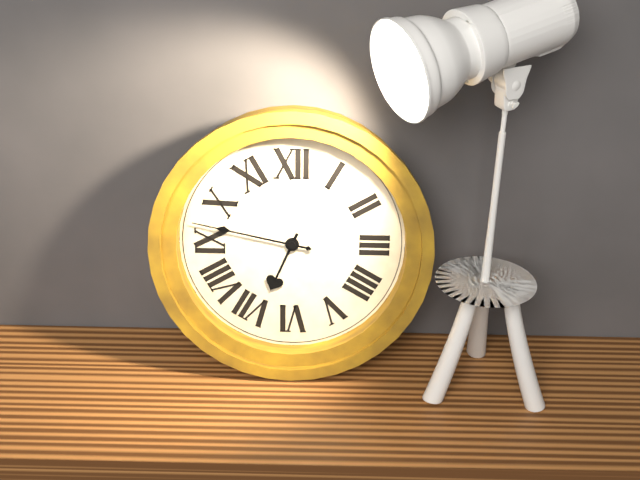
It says **6:47**
